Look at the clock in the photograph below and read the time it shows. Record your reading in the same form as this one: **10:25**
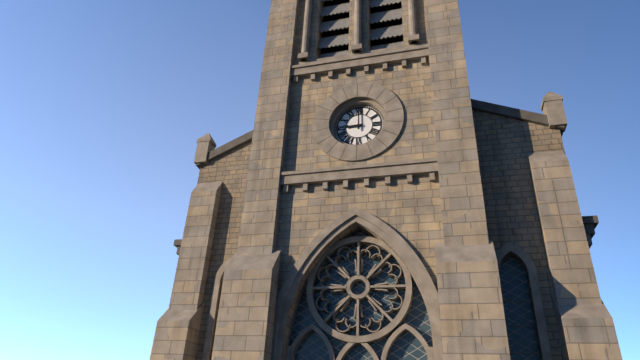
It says **9:00**
